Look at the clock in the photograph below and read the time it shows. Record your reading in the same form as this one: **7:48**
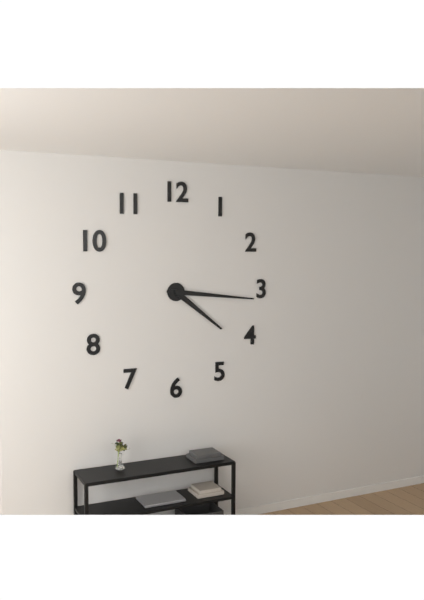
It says **4:16**
